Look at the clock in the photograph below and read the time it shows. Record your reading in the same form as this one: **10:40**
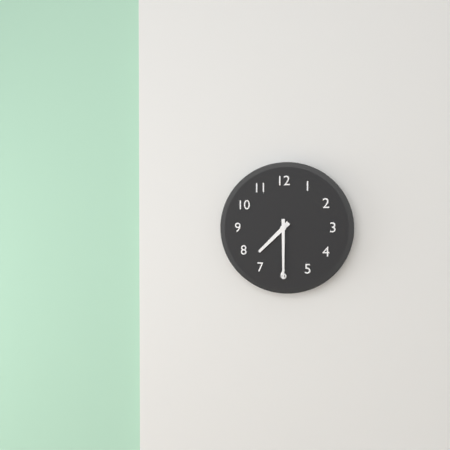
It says **7:30**
